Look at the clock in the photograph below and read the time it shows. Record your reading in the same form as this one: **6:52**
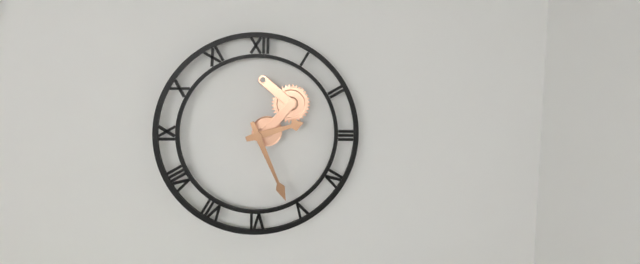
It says **2:26**
